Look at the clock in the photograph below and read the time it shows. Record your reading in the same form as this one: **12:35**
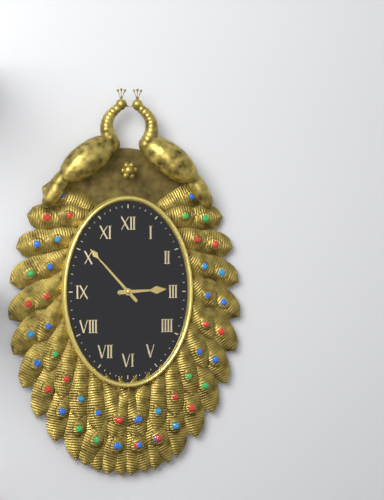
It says **2:53**
